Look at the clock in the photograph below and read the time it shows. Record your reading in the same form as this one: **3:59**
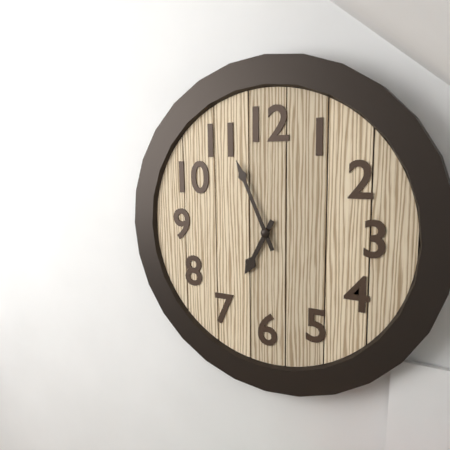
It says **6:56**
